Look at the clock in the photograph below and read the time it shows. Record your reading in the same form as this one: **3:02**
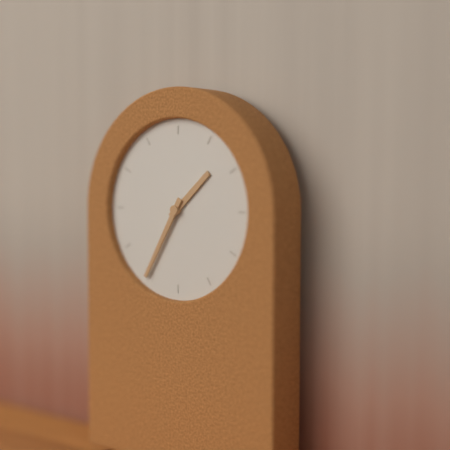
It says **1:35**
